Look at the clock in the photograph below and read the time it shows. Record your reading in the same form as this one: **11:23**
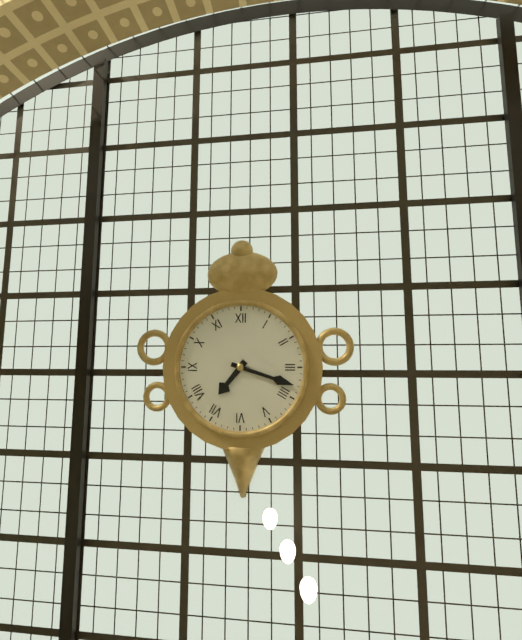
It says **7:18**
